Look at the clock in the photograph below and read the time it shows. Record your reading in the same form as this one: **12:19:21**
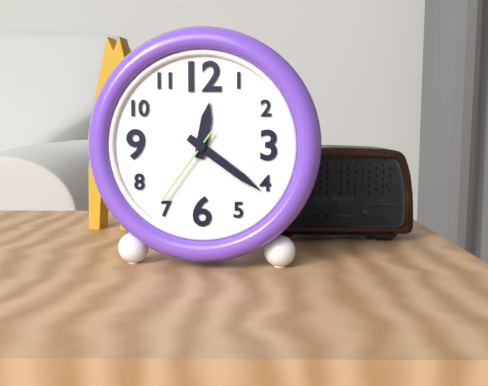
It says **12:21:36**
